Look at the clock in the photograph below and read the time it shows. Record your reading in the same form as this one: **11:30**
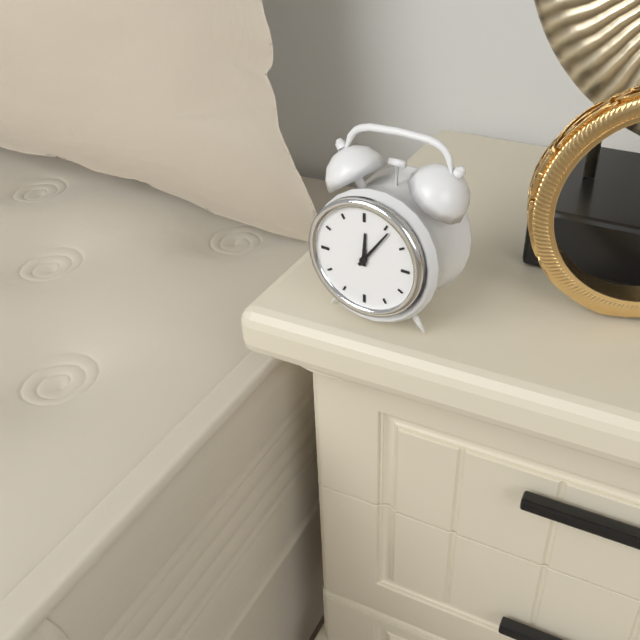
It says **12:06**
